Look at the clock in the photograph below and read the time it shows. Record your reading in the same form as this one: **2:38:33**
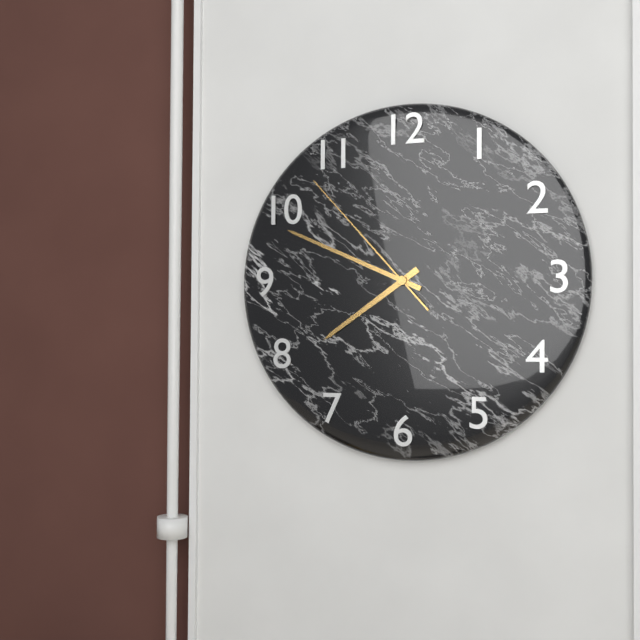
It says **7:49:53**
